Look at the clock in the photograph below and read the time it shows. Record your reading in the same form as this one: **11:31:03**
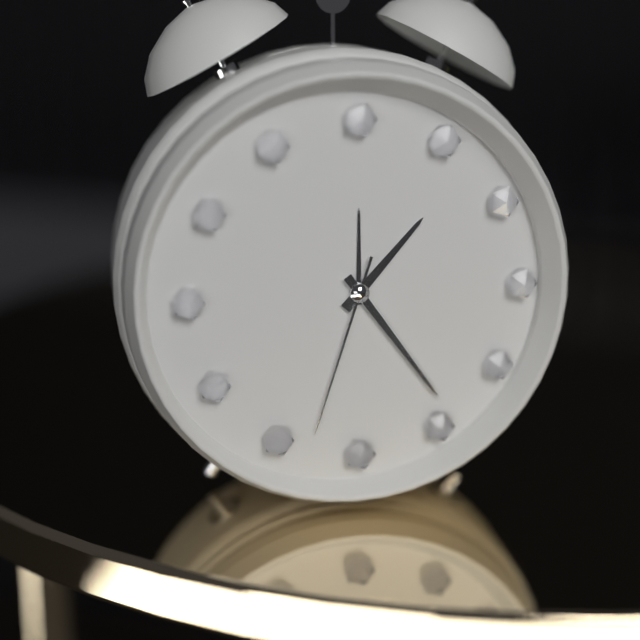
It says **1:24:33**
